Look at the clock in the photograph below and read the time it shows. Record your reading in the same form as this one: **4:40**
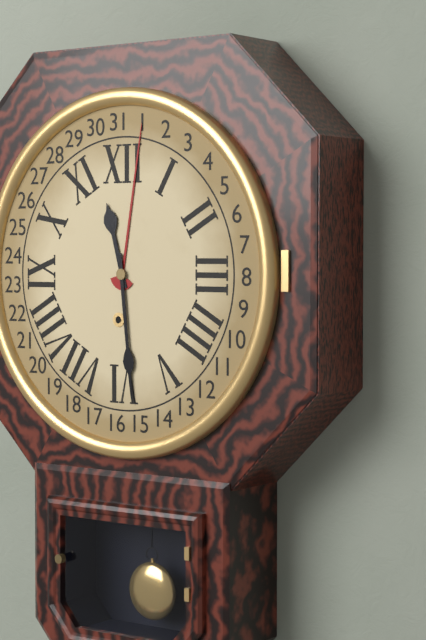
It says **11:29**
